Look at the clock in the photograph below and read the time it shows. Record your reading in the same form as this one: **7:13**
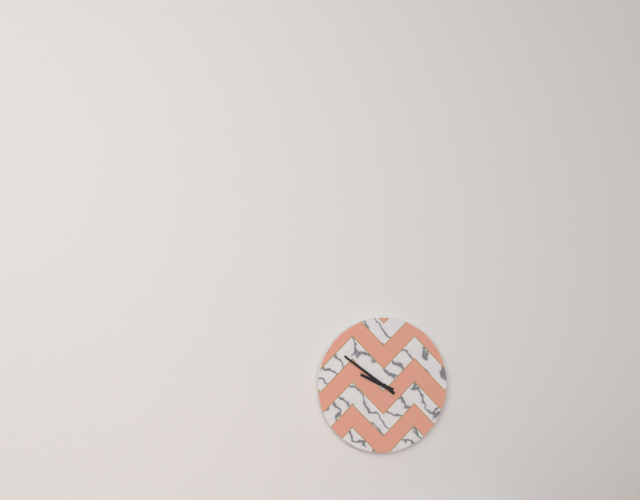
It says **9:51**
